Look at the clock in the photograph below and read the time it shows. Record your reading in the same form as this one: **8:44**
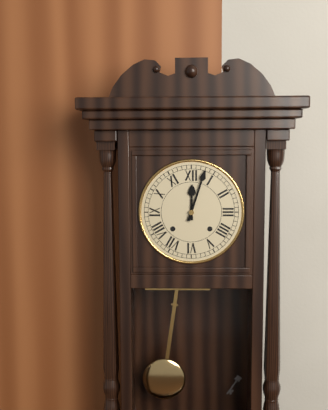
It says **12:03**
